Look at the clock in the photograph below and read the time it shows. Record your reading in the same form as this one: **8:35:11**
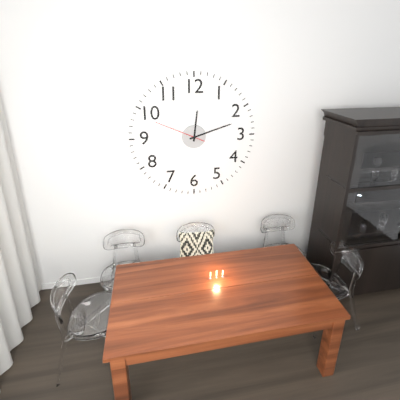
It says **12:12:49**
